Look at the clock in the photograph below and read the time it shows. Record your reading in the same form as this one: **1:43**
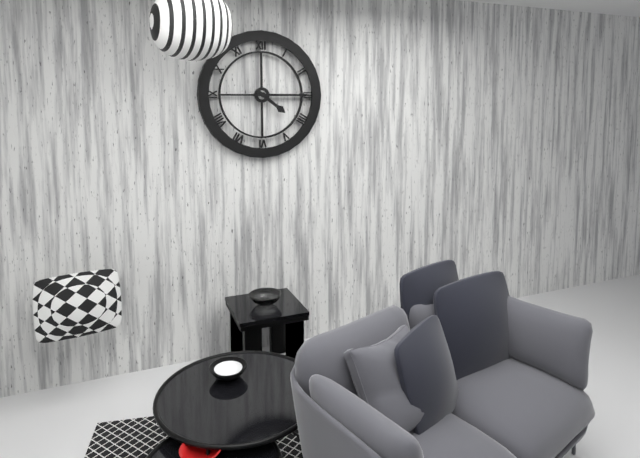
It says **4:15**
